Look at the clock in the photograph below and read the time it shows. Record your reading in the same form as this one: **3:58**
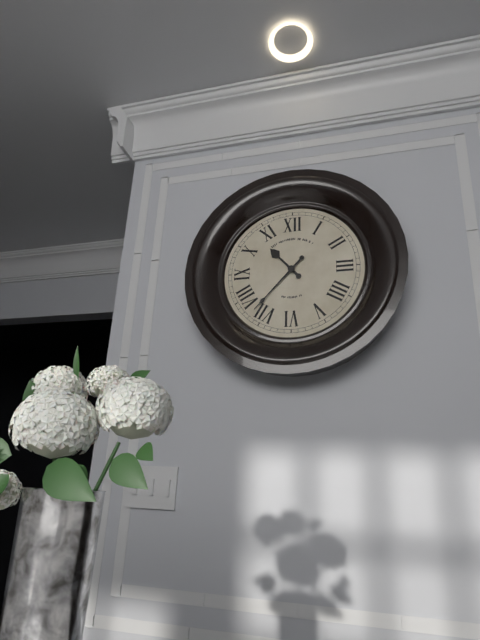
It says **10:37**
